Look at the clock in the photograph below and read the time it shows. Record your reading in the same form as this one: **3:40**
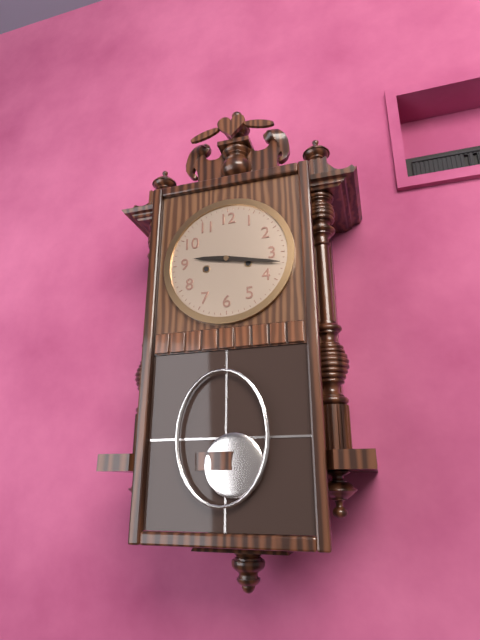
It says **9:17**
